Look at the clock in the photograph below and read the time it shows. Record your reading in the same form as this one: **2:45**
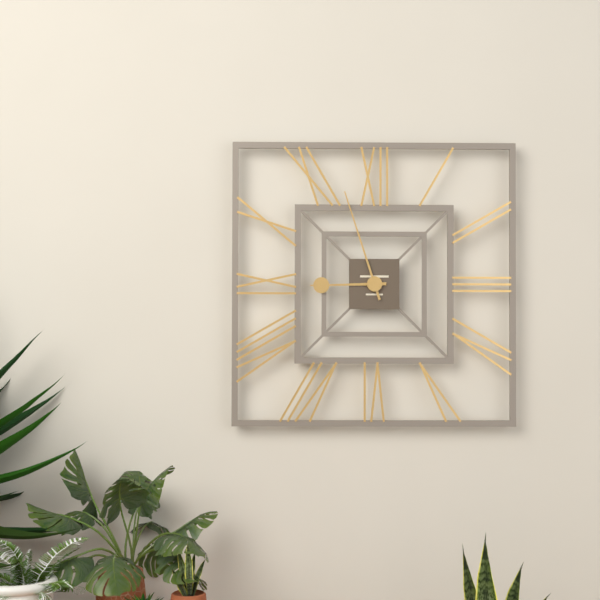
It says **8:57**
